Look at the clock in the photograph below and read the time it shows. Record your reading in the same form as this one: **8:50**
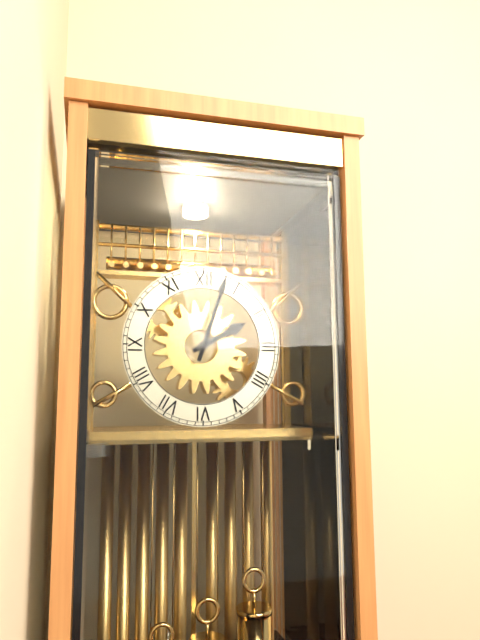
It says **2:03**
